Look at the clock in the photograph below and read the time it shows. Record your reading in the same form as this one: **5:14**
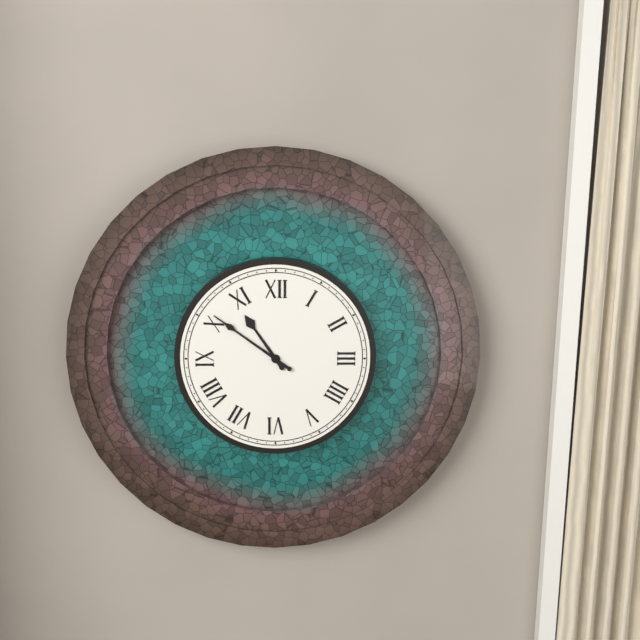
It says **10:51**
